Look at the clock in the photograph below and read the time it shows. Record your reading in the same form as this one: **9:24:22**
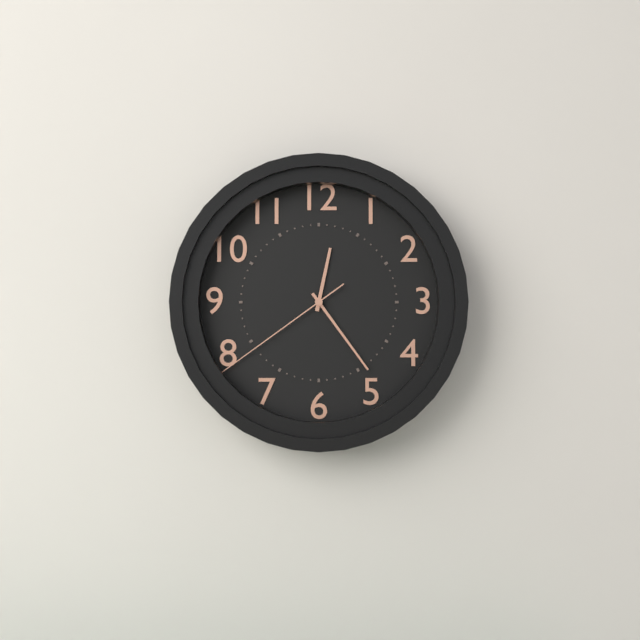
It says **12:24:39**
